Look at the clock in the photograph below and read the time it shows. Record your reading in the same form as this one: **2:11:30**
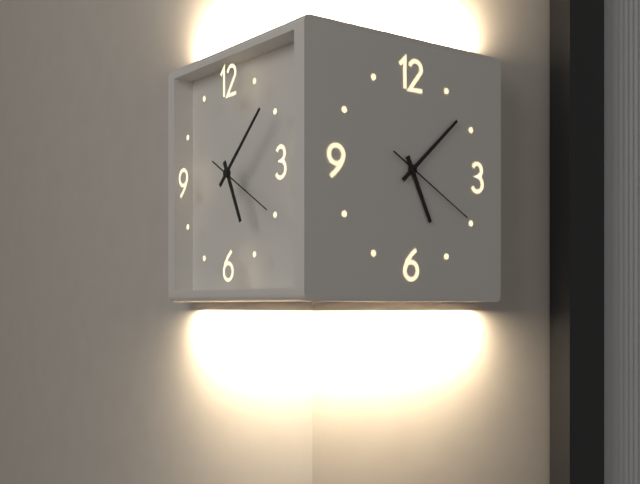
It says **5:08:20**
